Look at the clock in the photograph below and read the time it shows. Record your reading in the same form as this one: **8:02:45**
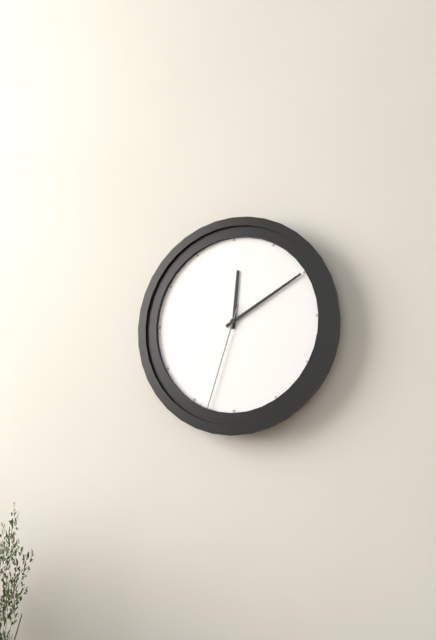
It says **12:10:33**
